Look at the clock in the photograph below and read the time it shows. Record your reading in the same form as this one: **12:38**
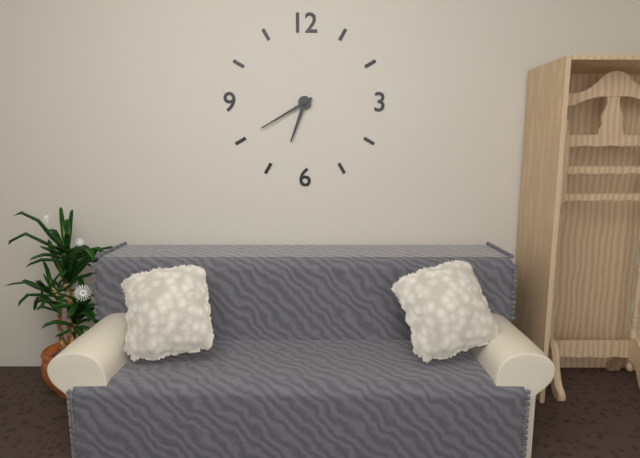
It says **6:40**
